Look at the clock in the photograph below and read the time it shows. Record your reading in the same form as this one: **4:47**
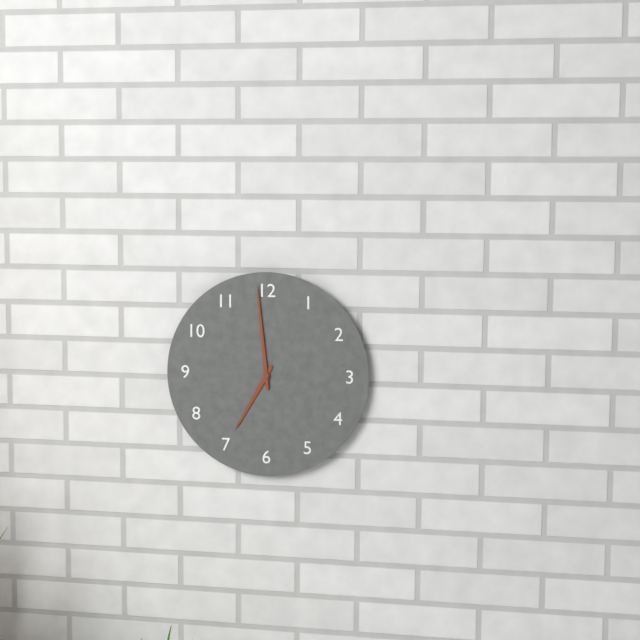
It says **6:59**
